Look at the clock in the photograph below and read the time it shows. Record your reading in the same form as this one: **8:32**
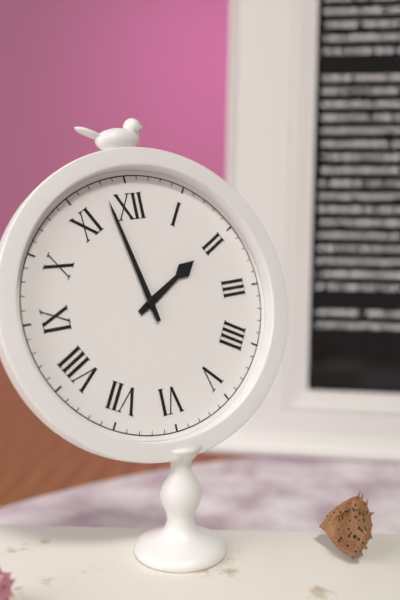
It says **1:58**
